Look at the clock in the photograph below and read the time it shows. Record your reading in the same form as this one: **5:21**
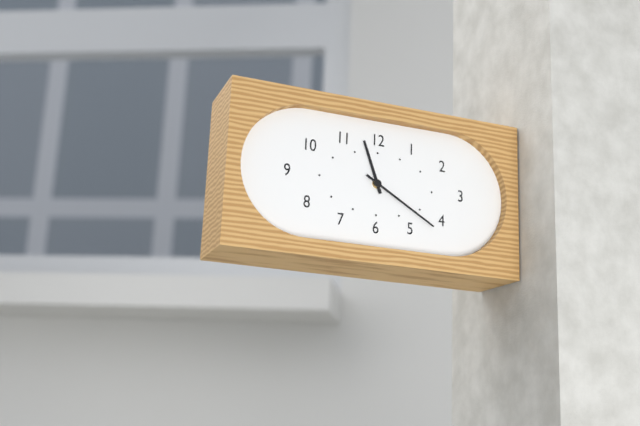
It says **11:20**
